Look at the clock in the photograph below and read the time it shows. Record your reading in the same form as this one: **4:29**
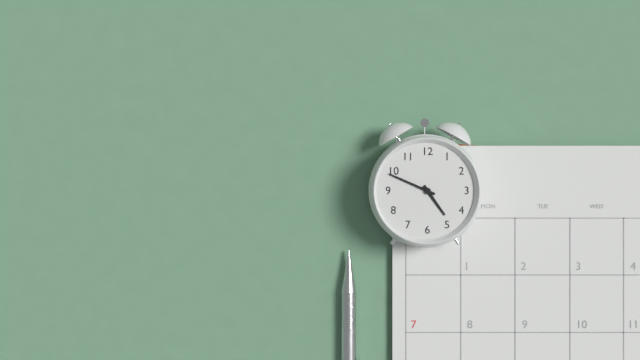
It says **4:49**
